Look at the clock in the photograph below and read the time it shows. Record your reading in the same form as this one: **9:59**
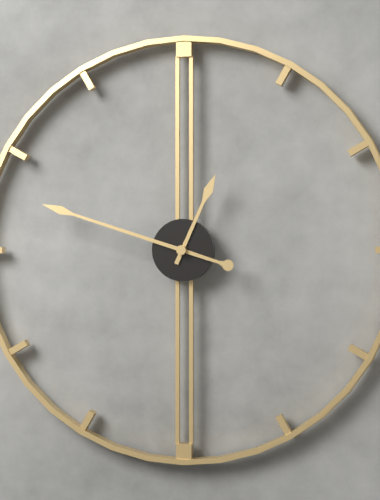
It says **12:48**
